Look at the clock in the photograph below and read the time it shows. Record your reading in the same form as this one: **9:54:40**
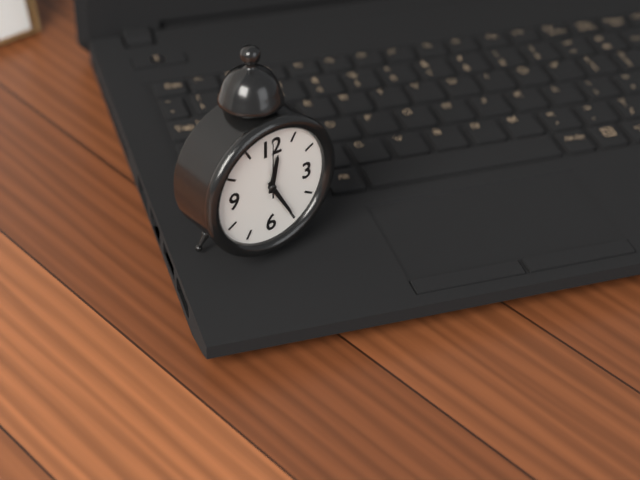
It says **12:25:00**
